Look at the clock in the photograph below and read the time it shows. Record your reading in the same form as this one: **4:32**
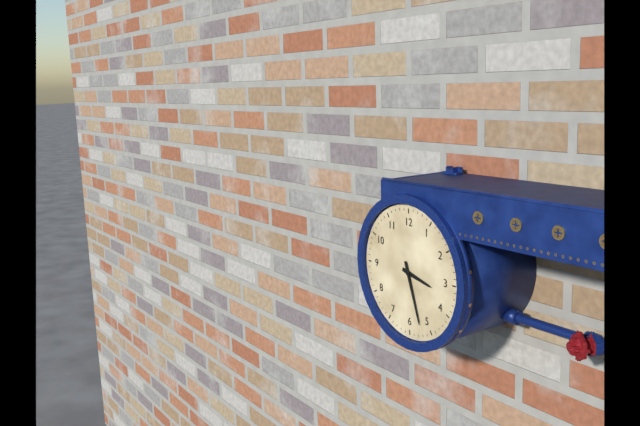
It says **3:27**
